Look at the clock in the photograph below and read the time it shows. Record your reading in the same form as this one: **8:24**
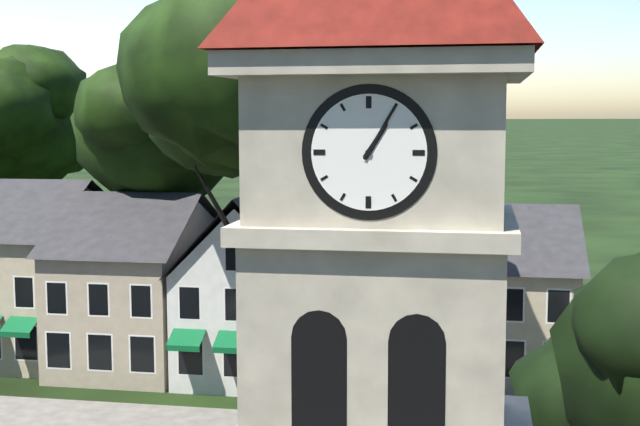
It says **1:05**
